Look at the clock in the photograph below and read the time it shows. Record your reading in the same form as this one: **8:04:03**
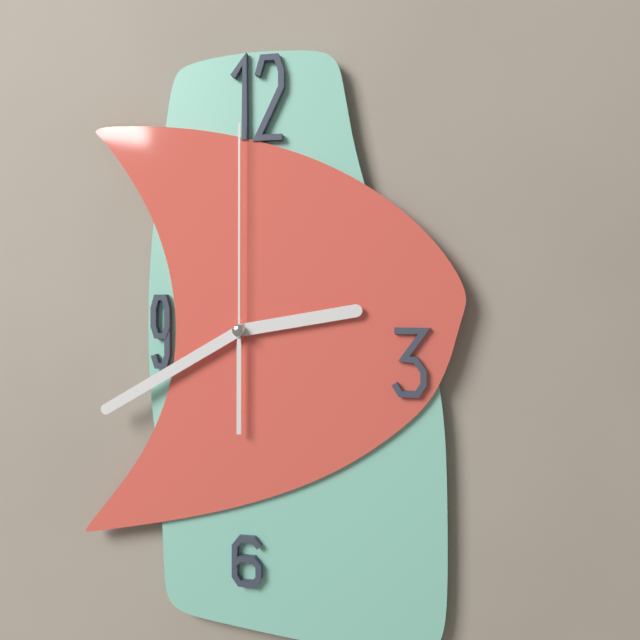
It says **2:40:00**
